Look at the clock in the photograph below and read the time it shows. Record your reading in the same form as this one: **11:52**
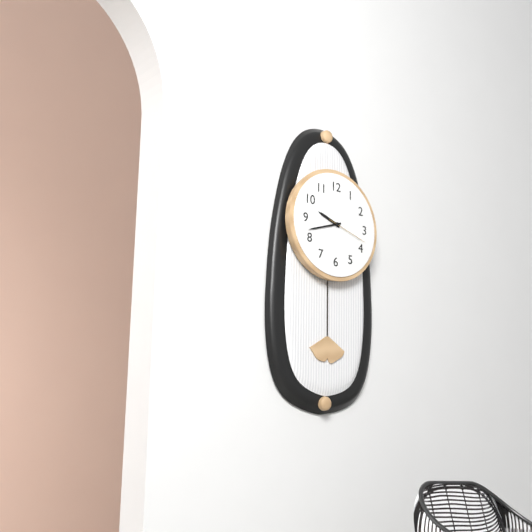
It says **9:42**
